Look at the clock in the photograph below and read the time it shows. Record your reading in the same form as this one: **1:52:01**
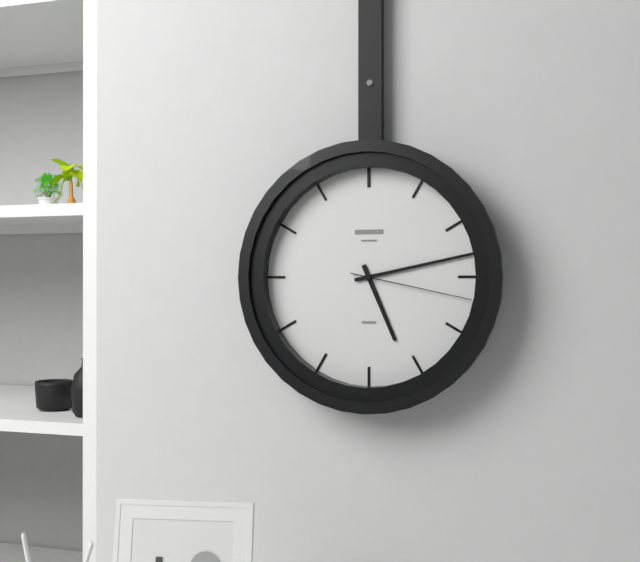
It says **5:13:17**
